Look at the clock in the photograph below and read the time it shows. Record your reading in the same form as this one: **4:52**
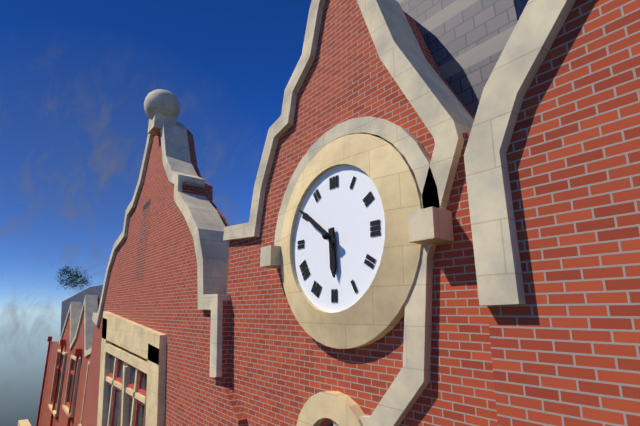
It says **5:51**
